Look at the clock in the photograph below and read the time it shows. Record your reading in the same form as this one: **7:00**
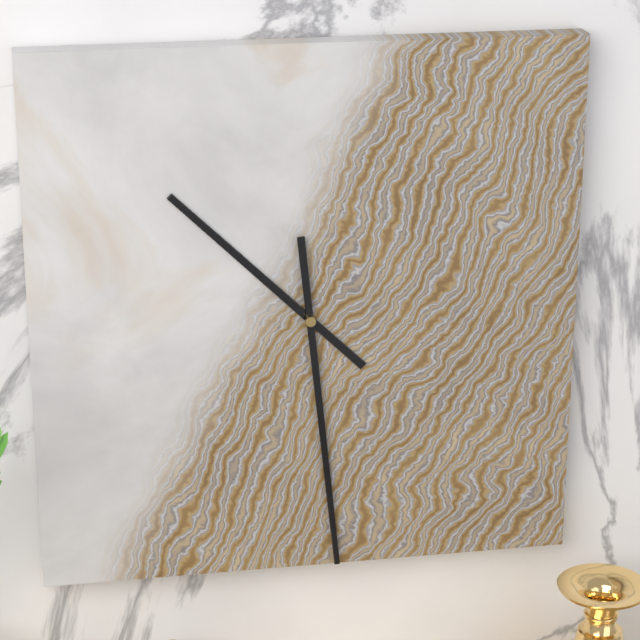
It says **10:29**
